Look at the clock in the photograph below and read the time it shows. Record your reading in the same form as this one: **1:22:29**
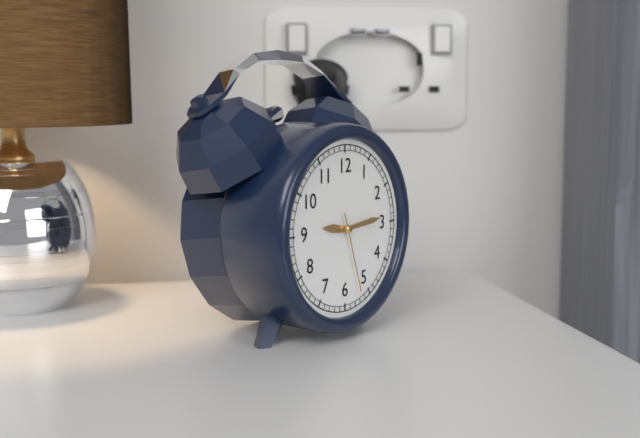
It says **9:14:27**
